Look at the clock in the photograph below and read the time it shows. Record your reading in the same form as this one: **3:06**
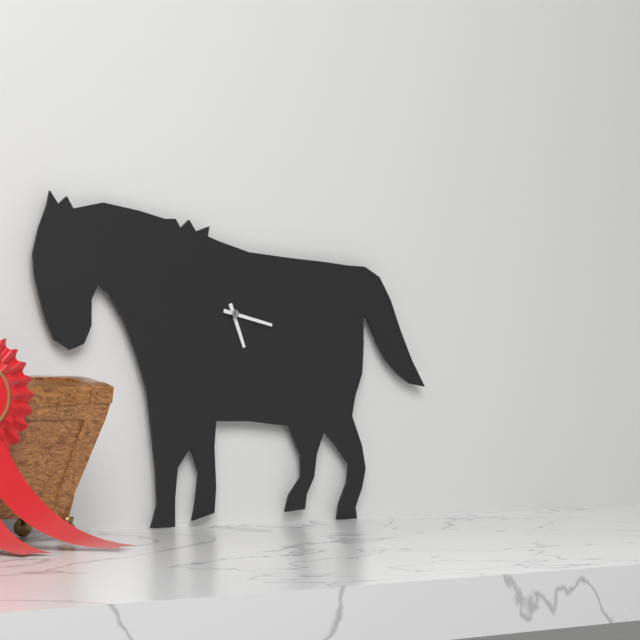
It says **5:17**
